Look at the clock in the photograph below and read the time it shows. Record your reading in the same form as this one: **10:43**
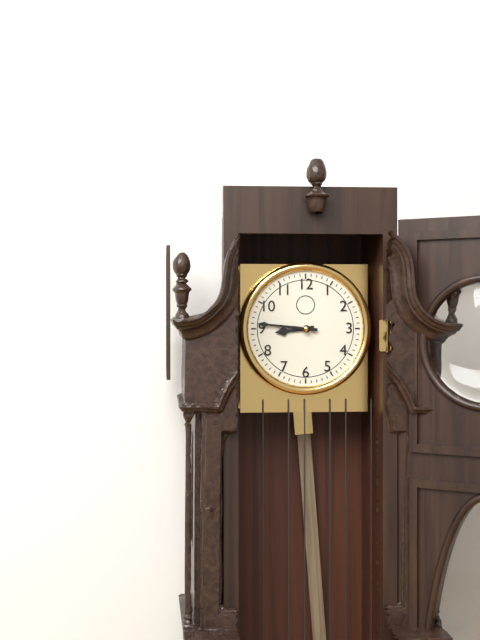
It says **8:46**
